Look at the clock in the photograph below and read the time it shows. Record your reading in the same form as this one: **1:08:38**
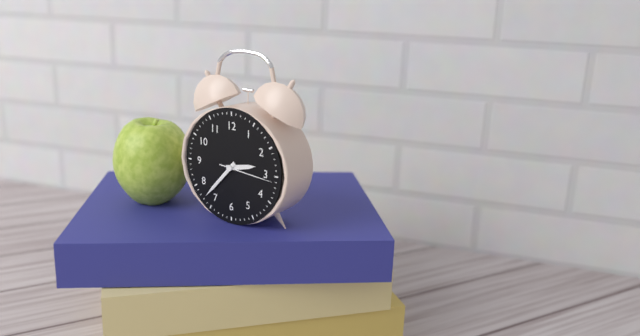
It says **2:37:16**
